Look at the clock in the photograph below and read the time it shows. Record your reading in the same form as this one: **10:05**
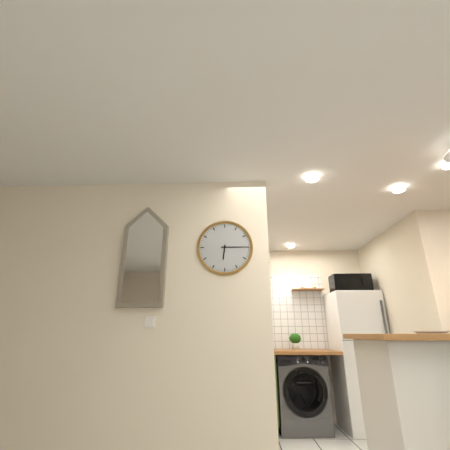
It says **6:15**
